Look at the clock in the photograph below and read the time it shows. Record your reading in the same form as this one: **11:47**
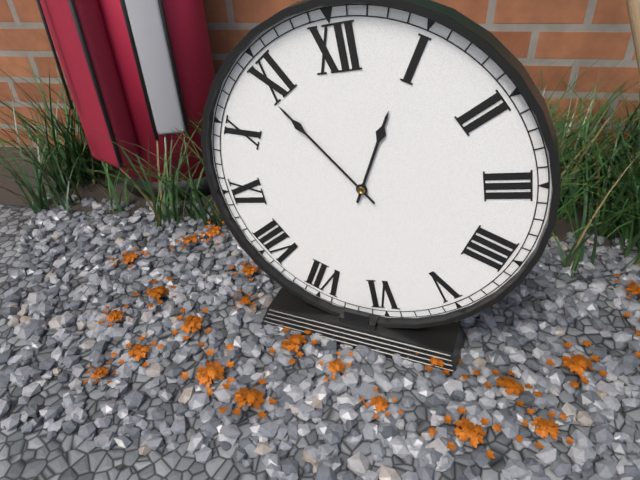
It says **12:54**
